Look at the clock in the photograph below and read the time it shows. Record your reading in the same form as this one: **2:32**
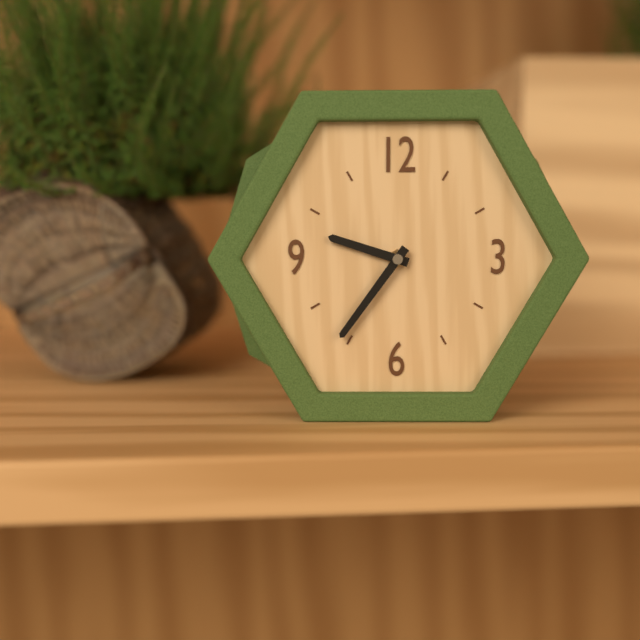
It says **9:36**
